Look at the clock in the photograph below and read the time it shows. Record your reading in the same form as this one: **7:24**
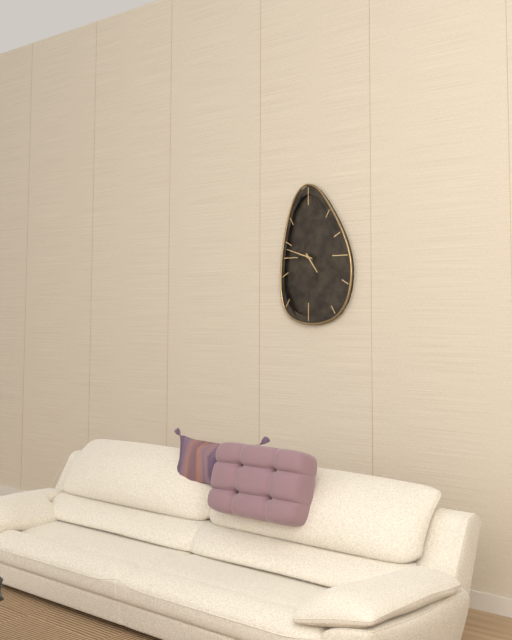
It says **4:48**
